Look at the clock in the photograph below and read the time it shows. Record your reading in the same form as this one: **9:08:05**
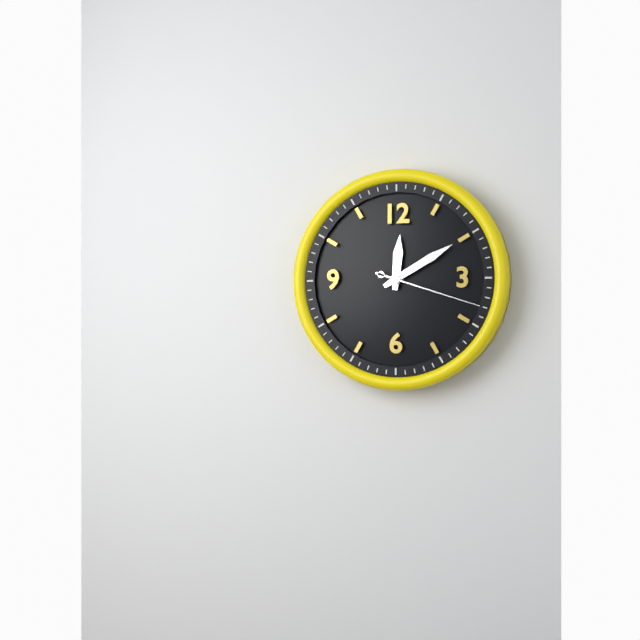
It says **12:10:18**
